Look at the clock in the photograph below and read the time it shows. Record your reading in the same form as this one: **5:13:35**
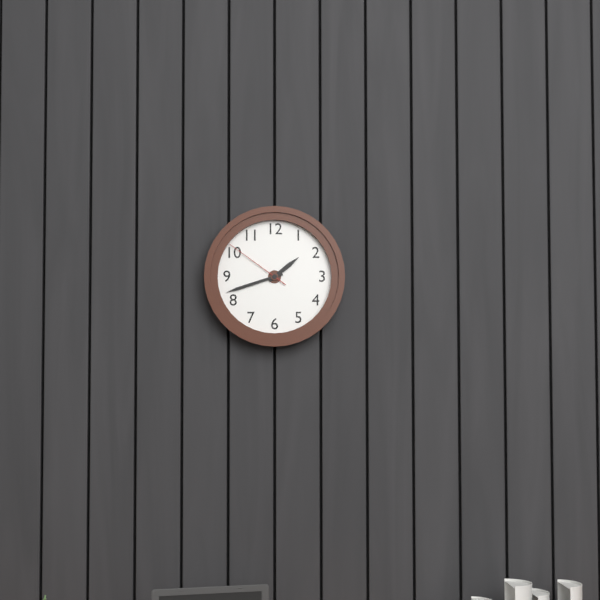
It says **1:42:51**
